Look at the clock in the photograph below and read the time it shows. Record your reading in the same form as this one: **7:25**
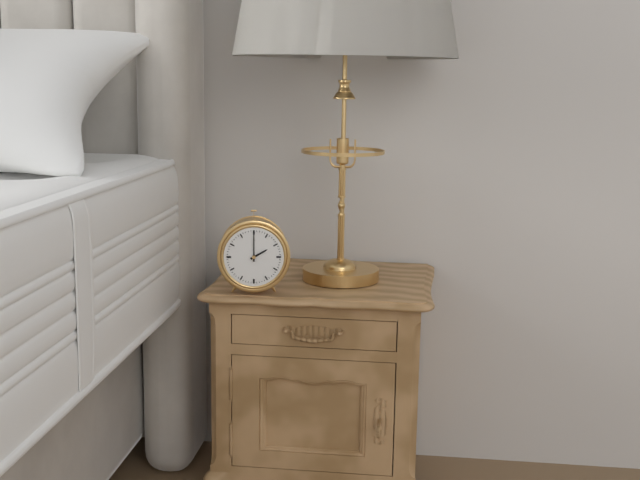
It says **2:00**
